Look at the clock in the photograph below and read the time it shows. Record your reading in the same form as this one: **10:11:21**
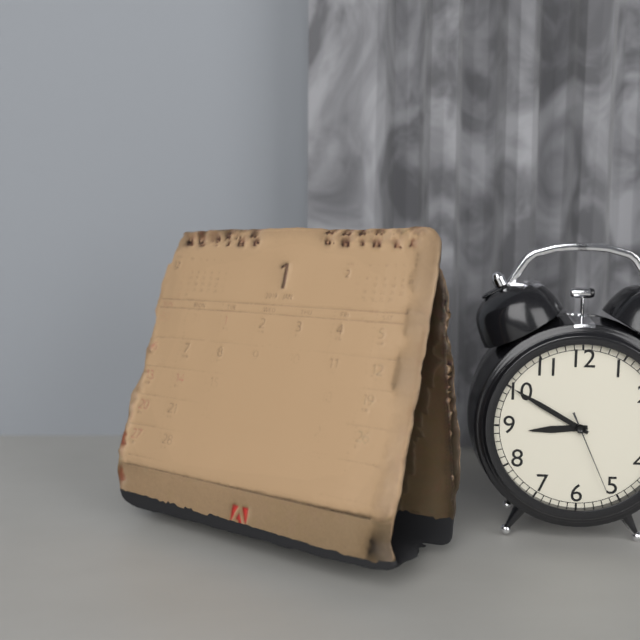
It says **8:50:26**
